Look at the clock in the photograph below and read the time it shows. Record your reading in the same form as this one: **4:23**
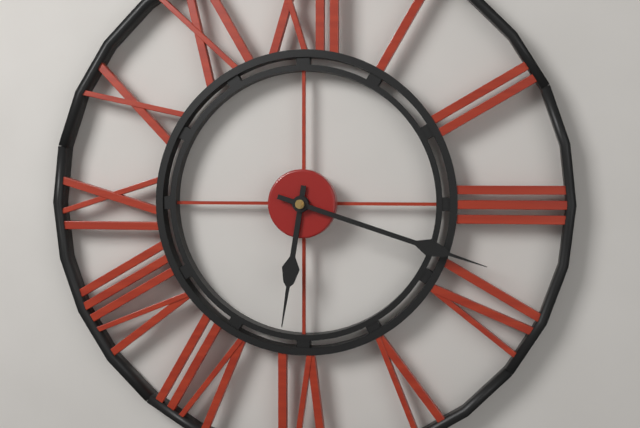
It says **6:18**
